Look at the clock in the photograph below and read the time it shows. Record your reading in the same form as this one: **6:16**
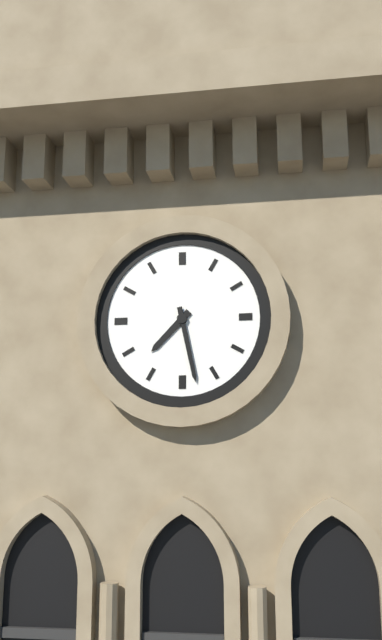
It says **7:28**
